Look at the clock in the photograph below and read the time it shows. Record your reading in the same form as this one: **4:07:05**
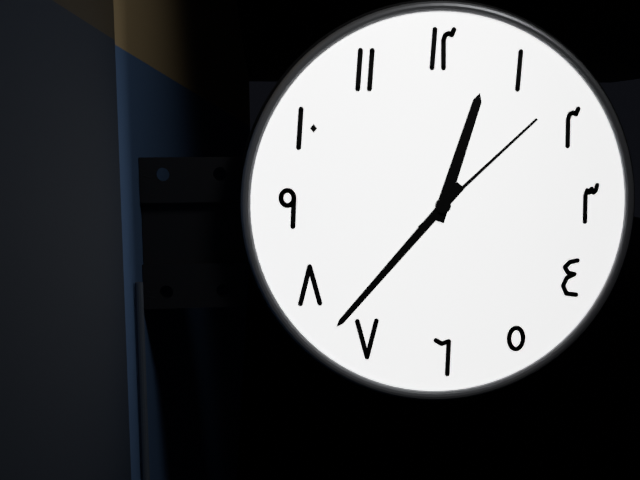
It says **12:37:08**
